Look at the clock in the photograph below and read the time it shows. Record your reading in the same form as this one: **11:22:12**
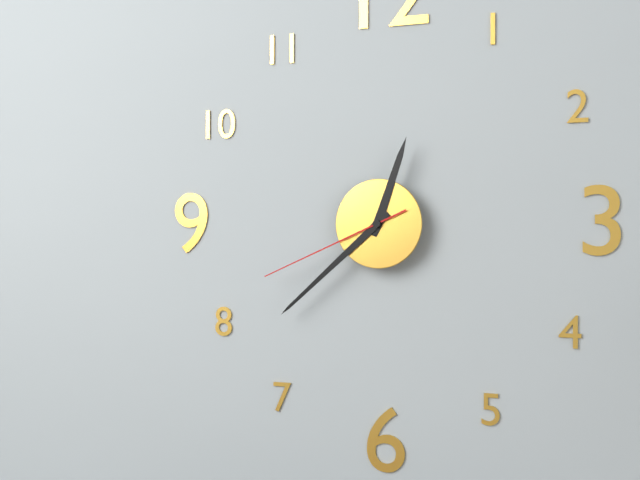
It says **12:38:41**
